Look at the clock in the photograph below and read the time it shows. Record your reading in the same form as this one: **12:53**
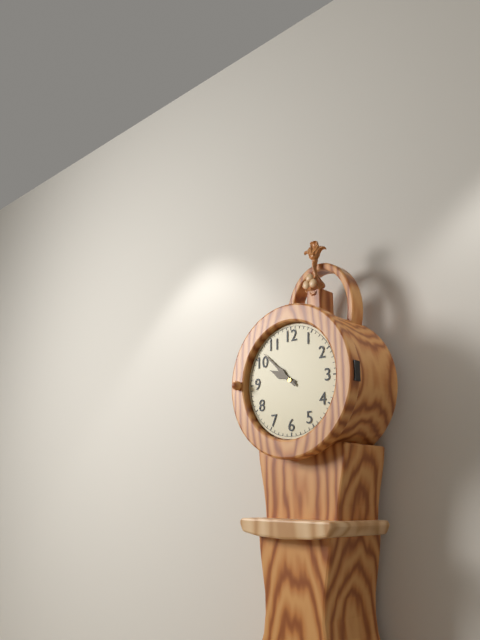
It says **9:52**
